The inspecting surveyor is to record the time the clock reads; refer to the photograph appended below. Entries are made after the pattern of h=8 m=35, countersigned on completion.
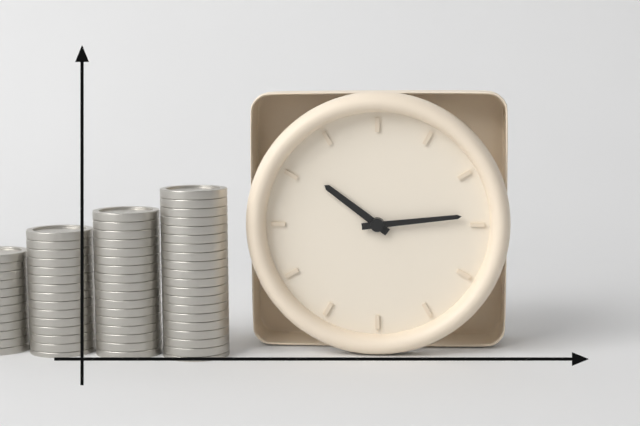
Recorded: h=10 m=14
